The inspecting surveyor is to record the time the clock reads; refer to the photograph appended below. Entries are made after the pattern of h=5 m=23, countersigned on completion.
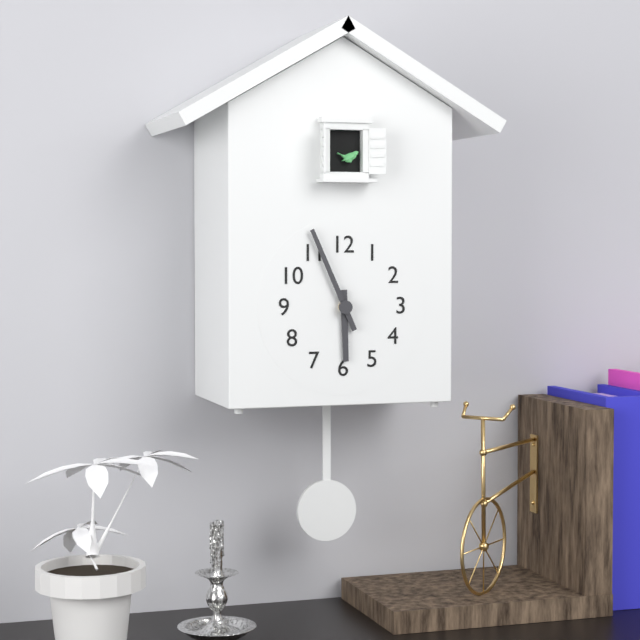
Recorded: h=5 m=56
